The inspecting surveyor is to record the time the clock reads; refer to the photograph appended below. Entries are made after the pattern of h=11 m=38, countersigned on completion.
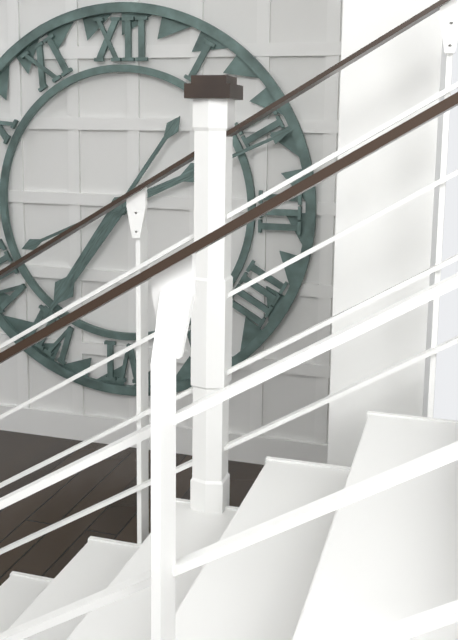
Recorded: h=7 m=11
